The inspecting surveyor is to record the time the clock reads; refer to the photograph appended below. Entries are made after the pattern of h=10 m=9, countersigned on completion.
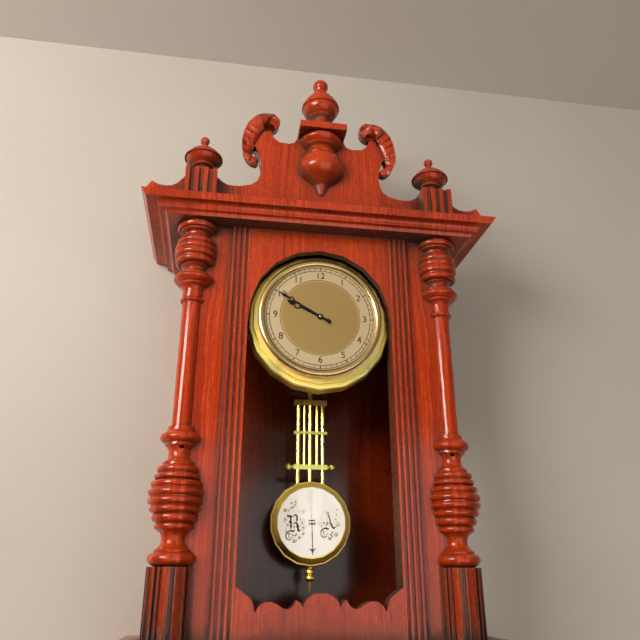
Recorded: h=9 m=50
